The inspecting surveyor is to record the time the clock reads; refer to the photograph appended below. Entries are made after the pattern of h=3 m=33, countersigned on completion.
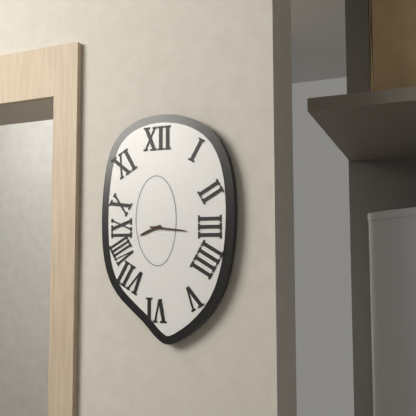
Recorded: h=8 m=16
